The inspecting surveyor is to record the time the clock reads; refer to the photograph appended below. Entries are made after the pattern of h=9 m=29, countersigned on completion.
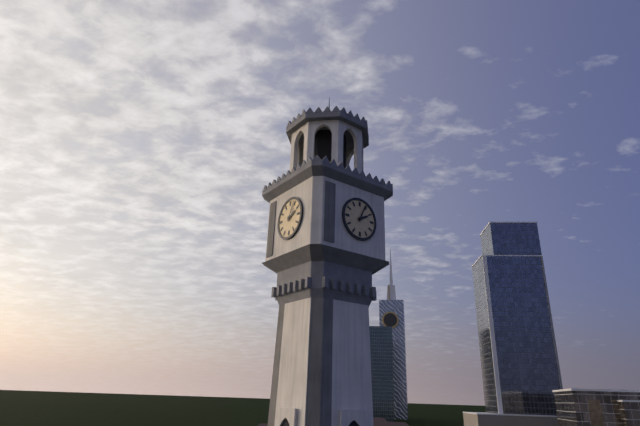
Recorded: h=2 m=4
